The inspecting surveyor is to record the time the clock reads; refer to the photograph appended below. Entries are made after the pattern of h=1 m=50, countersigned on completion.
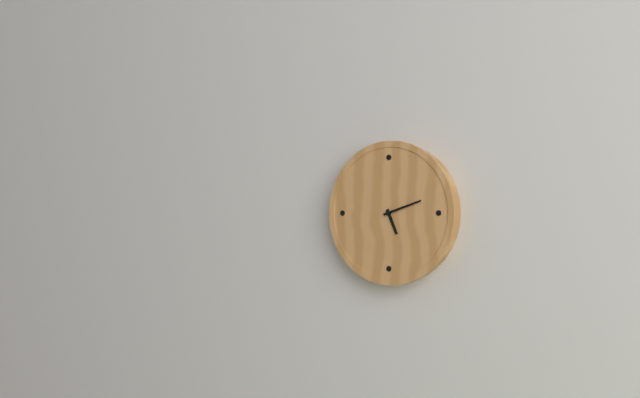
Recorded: h=5 m=12
